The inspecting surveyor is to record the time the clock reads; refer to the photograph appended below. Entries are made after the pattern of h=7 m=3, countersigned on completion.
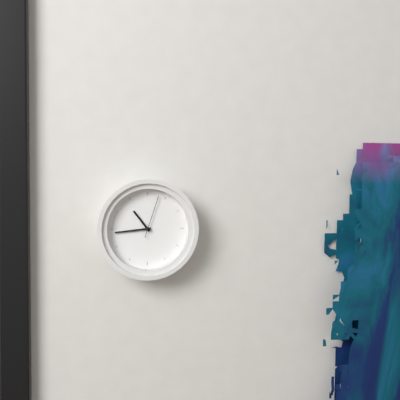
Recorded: h=10 m=44
